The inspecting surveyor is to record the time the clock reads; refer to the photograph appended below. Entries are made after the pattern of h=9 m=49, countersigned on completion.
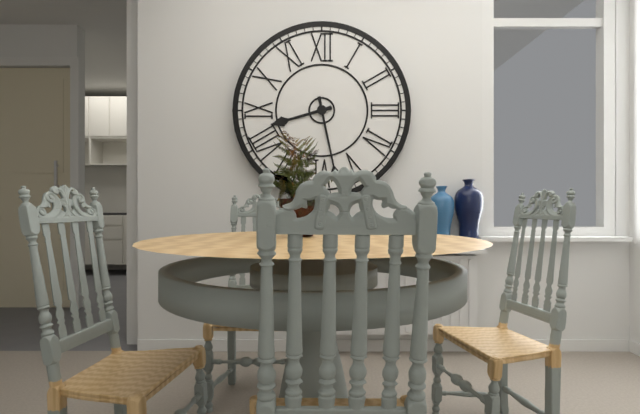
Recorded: h=8 m=28
